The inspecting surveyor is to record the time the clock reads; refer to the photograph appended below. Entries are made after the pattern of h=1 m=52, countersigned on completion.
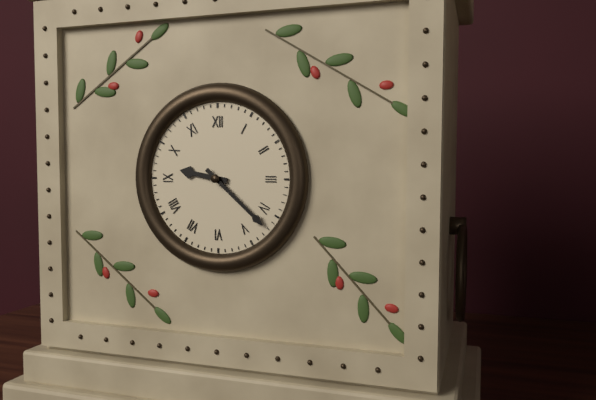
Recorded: h=9 m=22
